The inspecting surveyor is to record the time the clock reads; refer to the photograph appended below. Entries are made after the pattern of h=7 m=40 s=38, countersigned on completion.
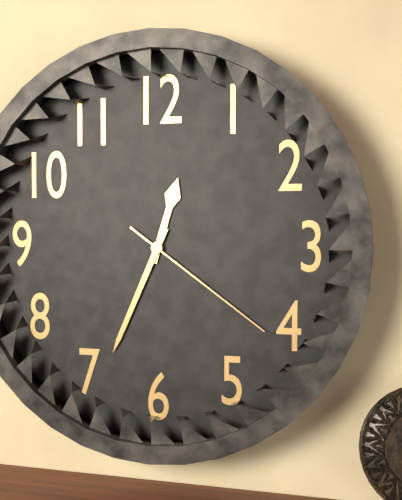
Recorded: h=12 m=34 s=21
